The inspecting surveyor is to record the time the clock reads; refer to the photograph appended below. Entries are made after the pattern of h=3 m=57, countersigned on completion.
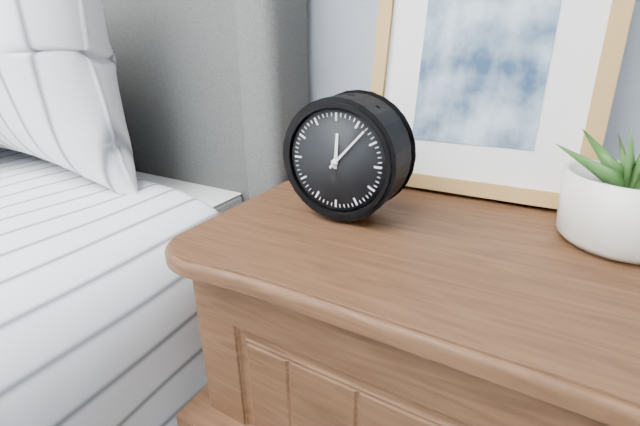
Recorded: h=12 m=7
